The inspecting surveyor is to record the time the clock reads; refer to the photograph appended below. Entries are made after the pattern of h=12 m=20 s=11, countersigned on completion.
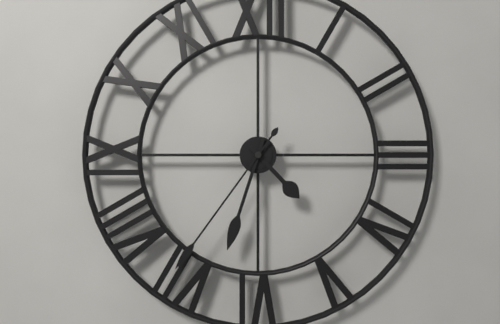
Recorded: h=4 m=33 s=36
